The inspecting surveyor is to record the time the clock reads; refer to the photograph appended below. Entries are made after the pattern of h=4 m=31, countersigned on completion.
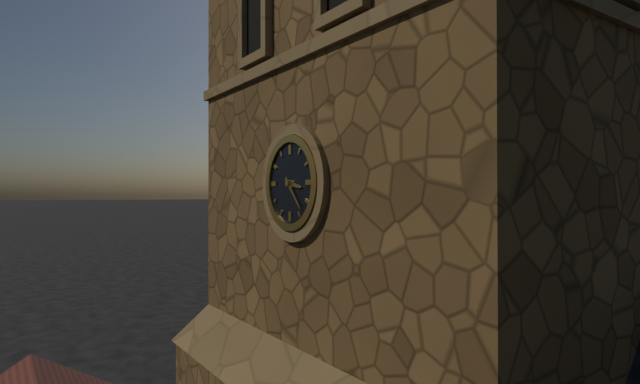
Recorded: h=3 m=23
